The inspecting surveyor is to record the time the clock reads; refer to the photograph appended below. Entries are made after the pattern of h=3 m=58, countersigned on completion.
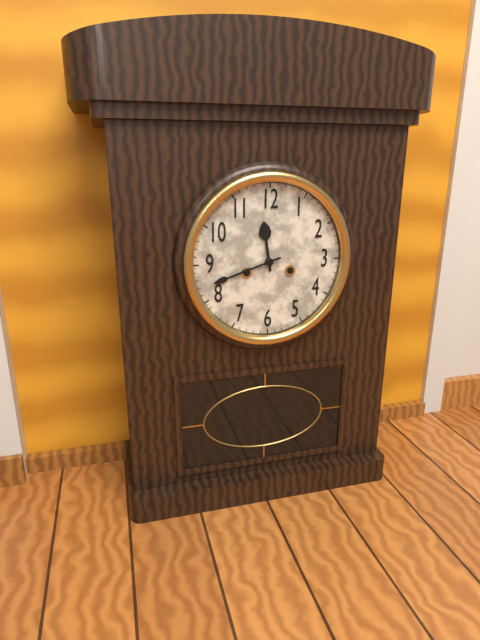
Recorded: h=11 m=42
